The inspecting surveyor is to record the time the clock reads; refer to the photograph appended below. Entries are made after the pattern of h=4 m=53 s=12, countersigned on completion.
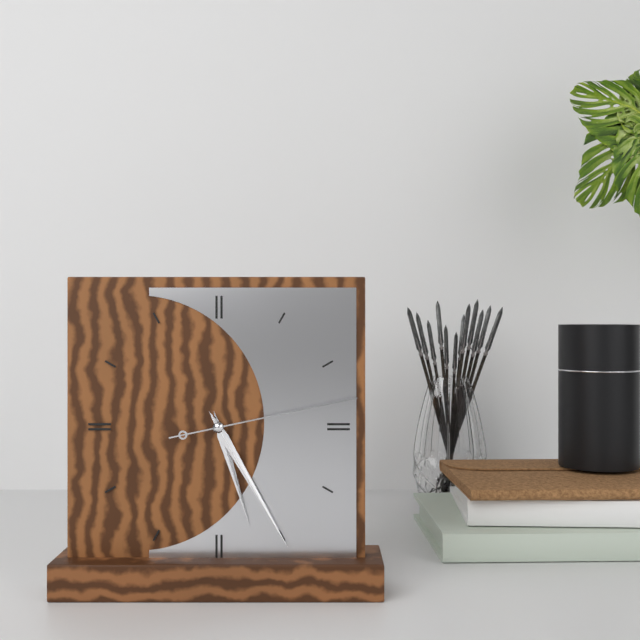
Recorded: h=5 m=25 s=13
